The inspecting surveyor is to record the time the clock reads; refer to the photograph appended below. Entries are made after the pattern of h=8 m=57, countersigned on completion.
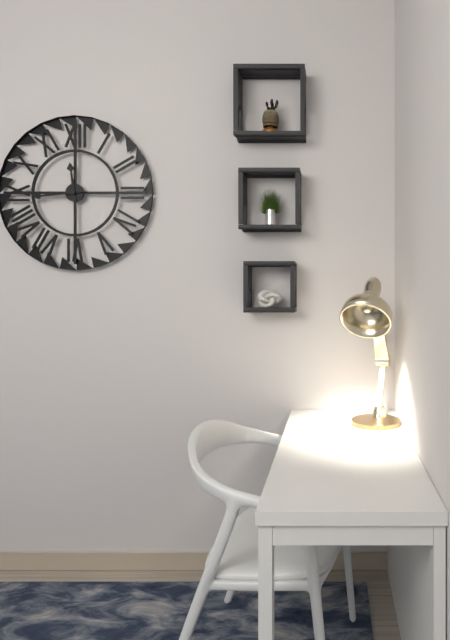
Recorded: h=11 m=44
